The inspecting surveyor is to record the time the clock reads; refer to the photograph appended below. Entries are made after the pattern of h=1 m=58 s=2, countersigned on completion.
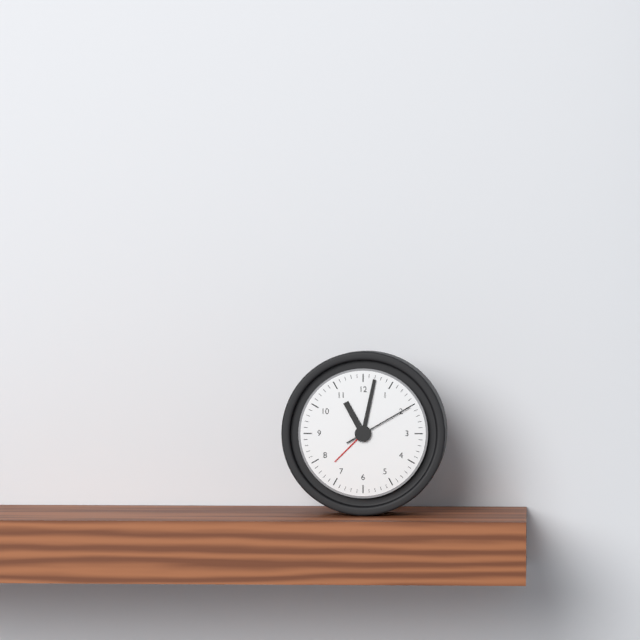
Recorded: h=11 m=2 s=10
